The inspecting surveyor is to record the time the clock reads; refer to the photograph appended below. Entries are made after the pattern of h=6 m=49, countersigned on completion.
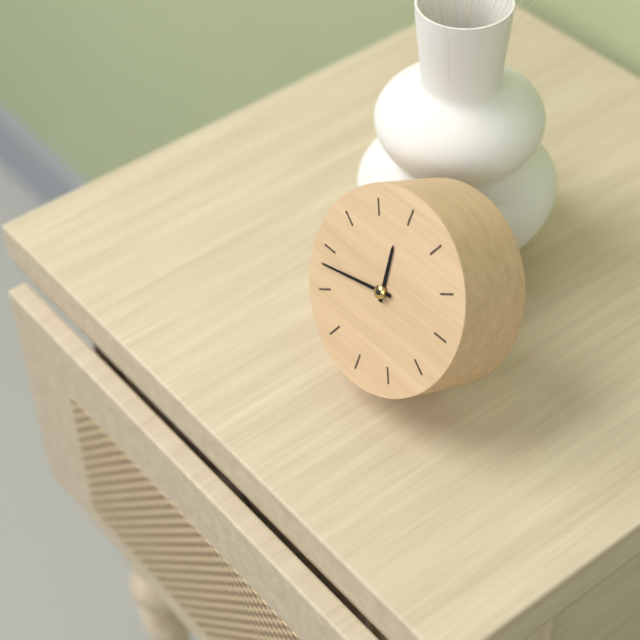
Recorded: h=11 m=43
